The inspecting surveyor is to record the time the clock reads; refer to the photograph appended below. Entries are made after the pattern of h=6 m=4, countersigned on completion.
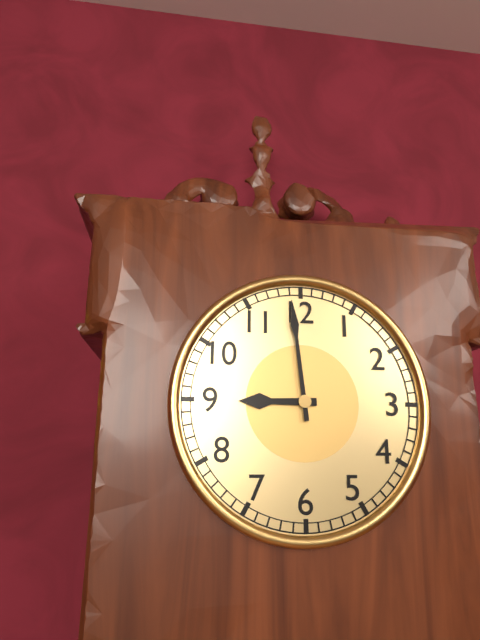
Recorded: h=8 m=59
